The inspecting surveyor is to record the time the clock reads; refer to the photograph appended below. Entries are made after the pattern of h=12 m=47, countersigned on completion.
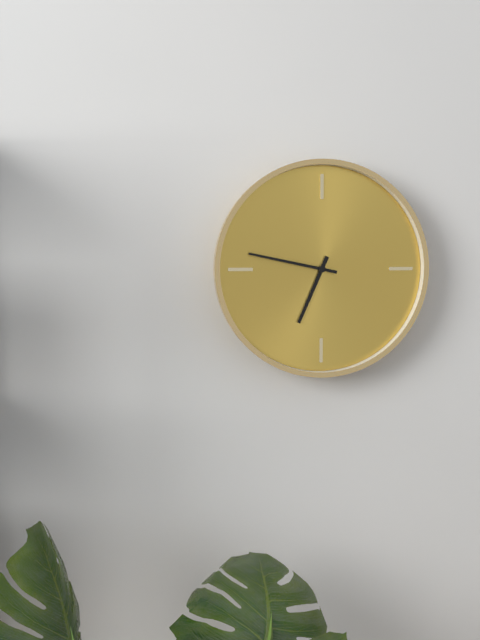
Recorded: h=6 m=47
